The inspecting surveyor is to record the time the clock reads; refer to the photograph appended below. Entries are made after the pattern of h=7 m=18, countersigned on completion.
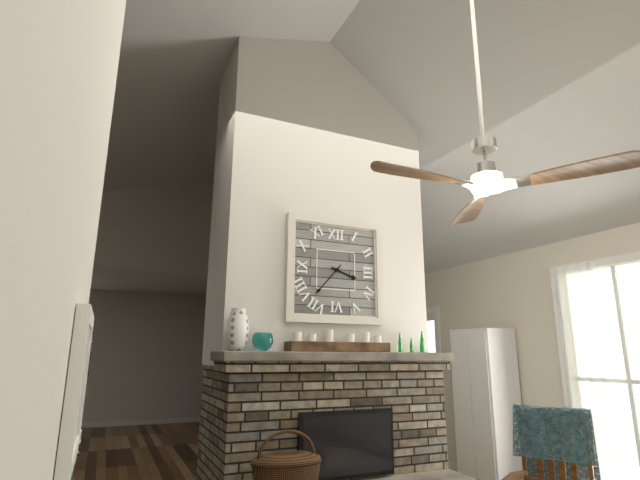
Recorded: h=3 m=37
